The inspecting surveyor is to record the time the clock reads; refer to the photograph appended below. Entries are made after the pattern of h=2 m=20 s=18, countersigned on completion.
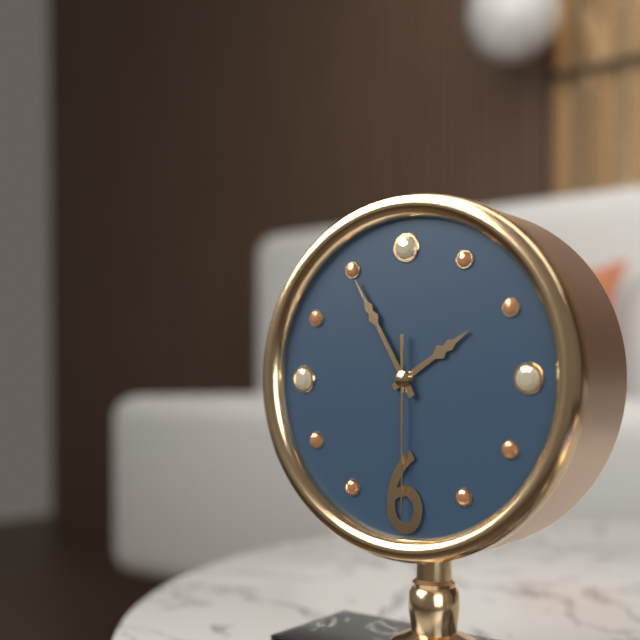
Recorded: h=1 m=55 s=30
